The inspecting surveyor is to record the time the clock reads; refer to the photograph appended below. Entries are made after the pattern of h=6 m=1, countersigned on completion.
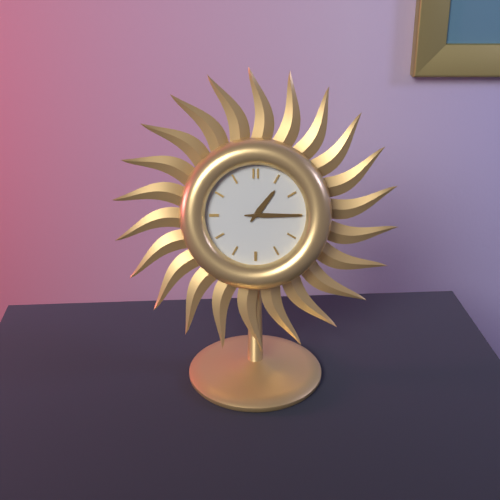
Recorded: h=1 m=15
